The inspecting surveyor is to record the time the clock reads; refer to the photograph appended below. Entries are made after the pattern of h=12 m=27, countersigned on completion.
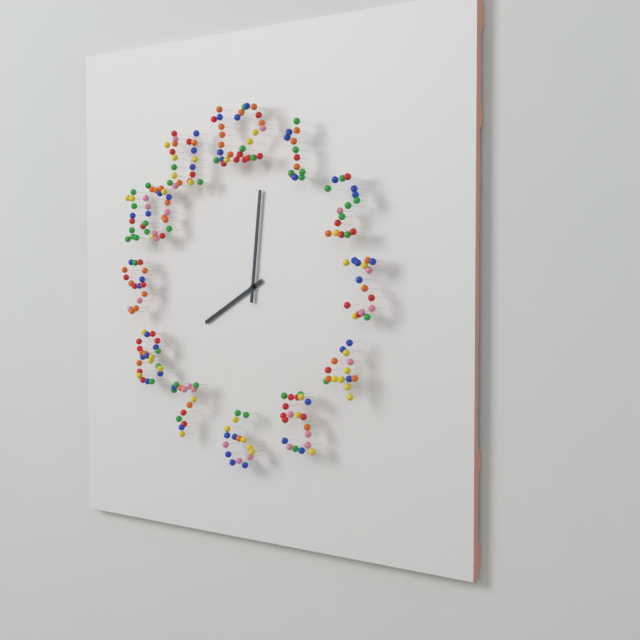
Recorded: h=8 m=1
